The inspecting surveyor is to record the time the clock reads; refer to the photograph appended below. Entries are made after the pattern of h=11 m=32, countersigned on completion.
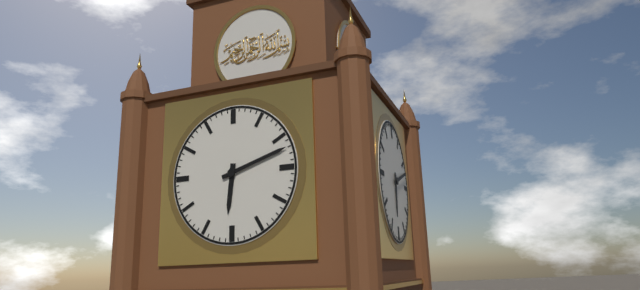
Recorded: h=6 m=12
